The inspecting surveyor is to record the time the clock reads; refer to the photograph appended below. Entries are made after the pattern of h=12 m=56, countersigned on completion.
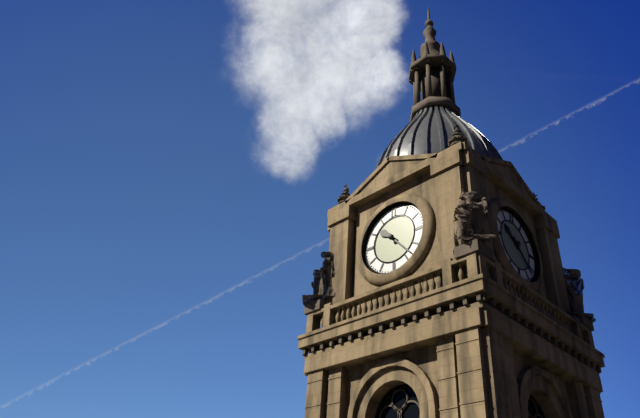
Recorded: h=10 m=23
